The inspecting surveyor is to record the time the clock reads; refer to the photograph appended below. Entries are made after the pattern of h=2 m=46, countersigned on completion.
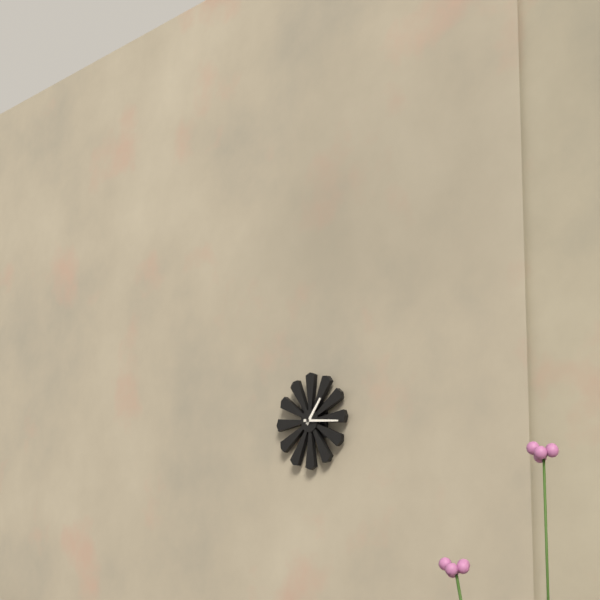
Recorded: h=1 m=16
